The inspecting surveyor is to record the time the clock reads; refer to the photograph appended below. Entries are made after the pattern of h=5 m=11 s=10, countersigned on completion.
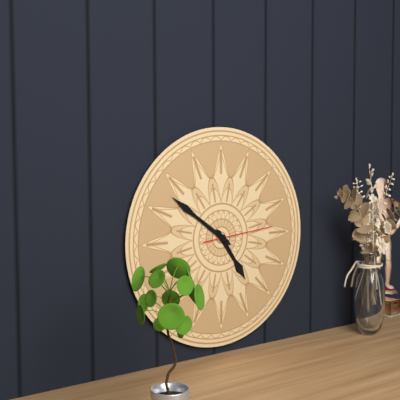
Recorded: h=4 m=51 s=14
